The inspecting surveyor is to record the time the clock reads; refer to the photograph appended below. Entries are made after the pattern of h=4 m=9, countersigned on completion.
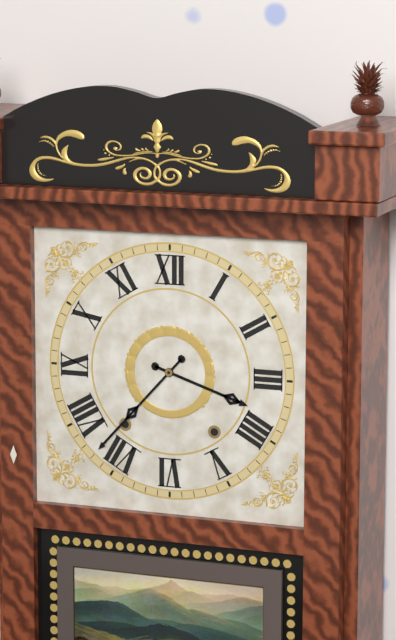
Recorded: h=3 m=37
